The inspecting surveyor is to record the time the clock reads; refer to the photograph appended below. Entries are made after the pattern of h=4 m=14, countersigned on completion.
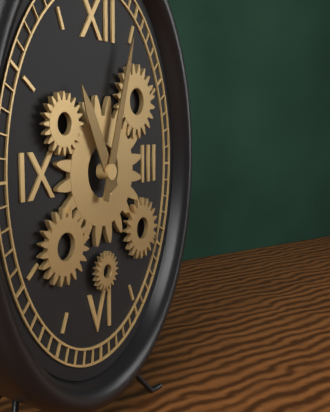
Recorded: h=11 m=3
